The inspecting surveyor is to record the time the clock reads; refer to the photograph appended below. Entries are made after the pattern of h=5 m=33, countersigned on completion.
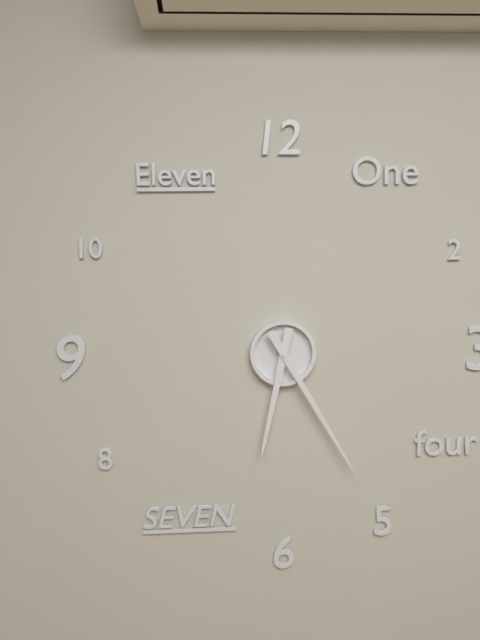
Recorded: h=6 m=25
